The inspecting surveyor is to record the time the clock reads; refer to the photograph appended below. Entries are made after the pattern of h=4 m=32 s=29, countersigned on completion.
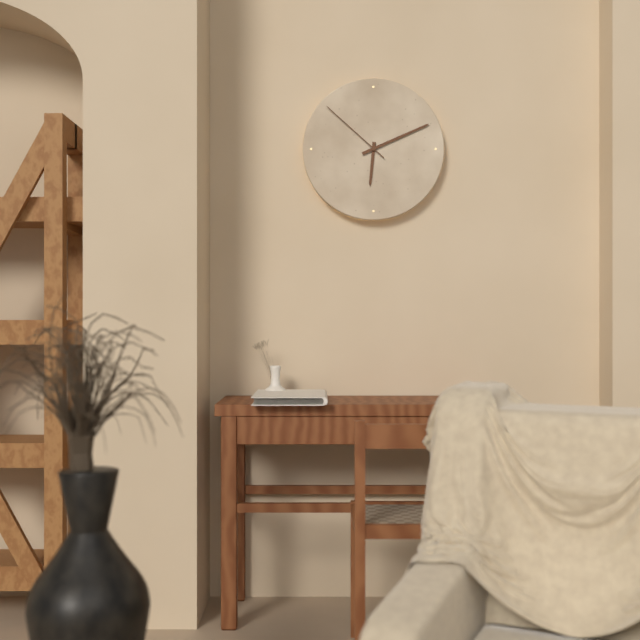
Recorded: h=6 m=11 s=52
